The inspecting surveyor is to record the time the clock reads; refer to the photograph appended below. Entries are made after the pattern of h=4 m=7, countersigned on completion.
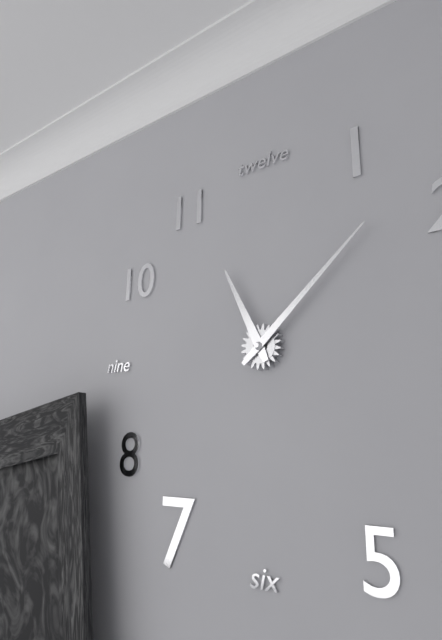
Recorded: h=11 m=8
